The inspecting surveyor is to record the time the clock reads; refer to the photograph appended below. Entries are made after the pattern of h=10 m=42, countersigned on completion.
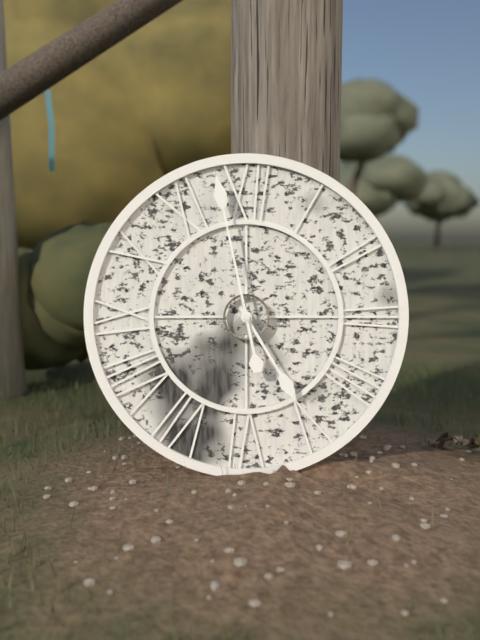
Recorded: h=4 m=58
